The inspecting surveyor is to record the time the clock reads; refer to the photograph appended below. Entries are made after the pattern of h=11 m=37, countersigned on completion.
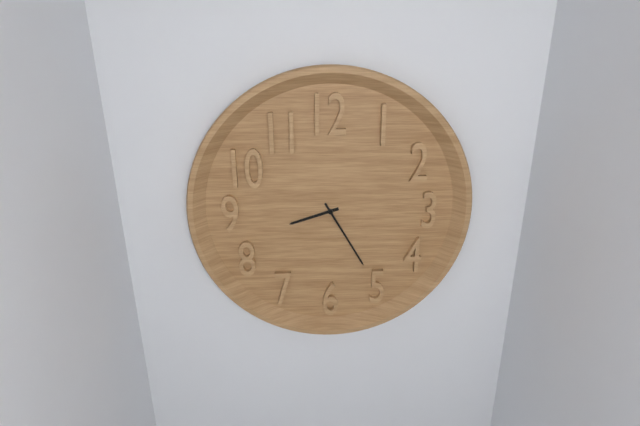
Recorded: h=8 m=25
